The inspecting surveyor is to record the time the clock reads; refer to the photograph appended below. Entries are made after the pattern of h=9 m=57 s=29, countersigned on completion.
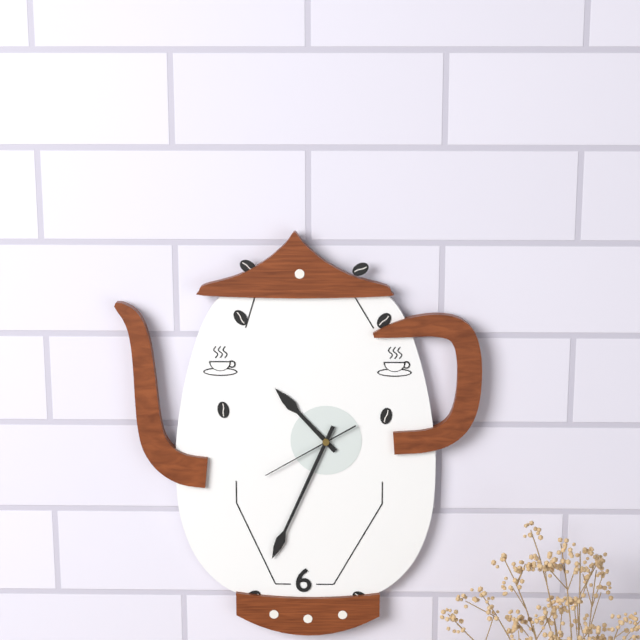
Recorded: h=10 m=34 s=40
